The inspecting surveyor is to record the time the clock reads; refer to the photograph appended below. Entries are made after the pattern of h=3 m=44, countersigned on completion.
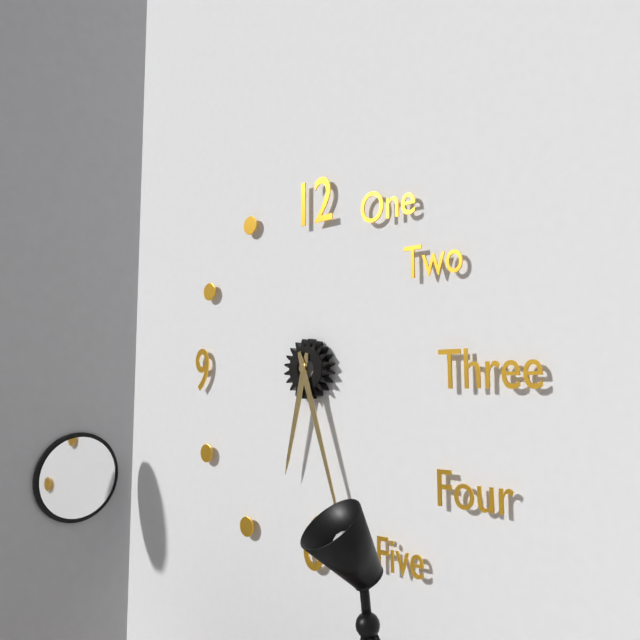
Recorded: h=6 m=27
